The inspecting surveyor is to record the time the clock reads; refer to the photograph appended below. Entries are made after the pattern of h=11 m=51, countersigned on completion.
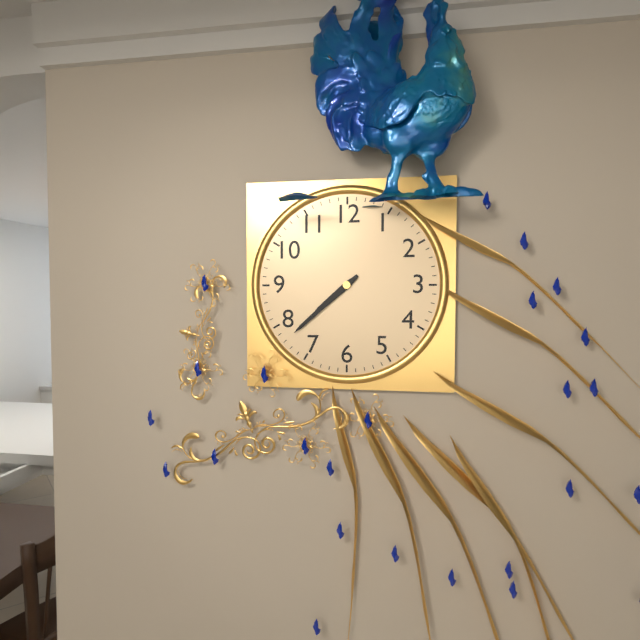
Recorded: h=7 m=38
